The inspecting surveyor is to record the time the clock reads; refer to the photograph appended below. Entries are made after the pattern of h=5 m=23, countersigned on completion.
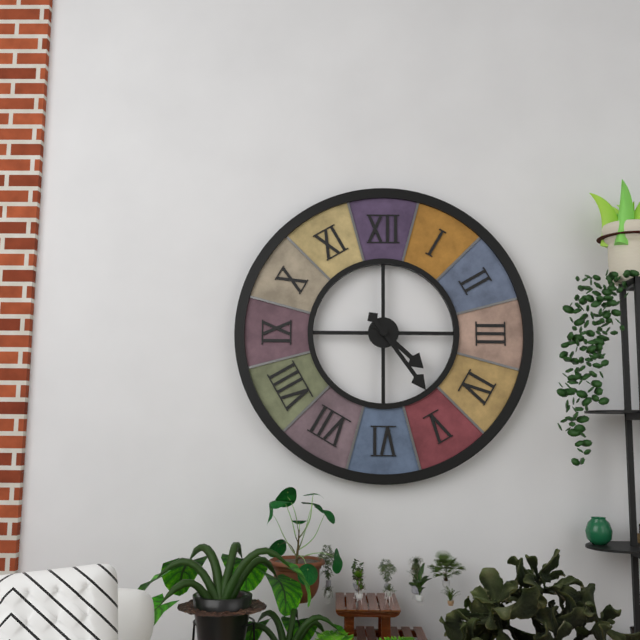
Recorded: h=4 m=24
